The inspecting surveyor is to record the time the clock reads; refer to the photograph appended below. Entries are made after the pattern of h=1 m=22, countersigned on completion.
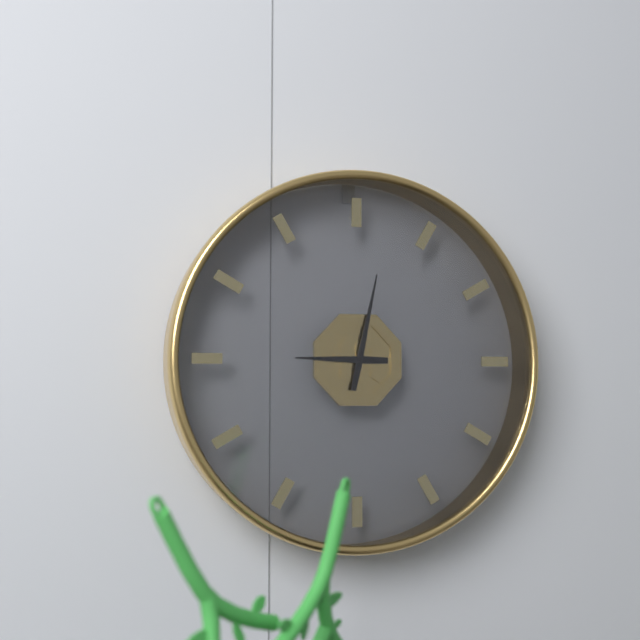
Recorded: h=9 m=2
